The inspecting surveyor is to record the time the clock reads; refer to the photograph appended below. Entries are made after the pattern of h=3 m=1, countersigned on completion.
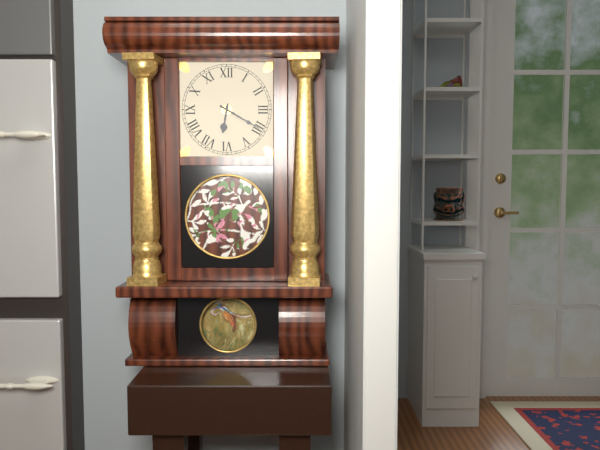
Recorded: h=6 m=20
